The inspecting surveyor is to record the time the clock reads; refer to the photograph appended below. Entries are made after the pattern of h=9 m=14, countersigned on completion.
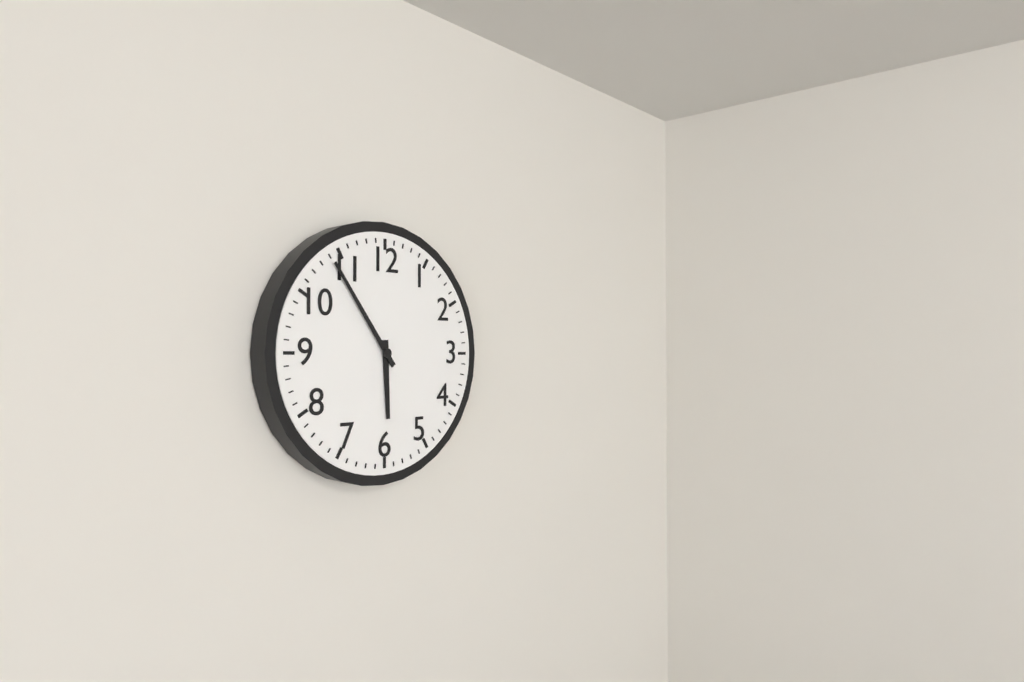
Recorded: h=5 m=54
